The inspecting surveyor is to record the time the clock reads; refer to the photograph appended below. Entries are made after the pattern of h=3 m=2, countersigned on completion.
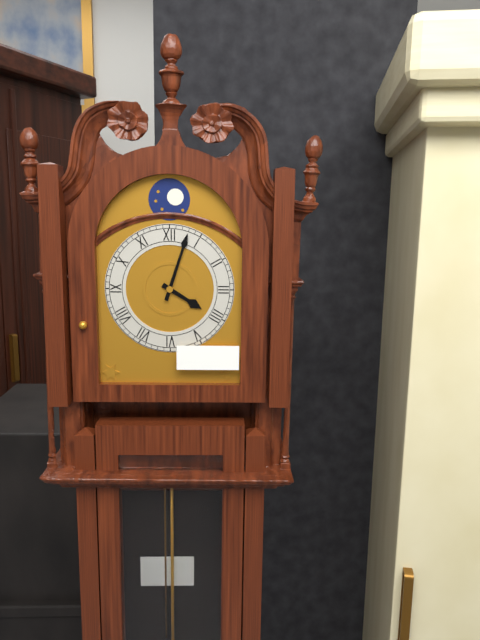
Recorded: h=4 m=3
